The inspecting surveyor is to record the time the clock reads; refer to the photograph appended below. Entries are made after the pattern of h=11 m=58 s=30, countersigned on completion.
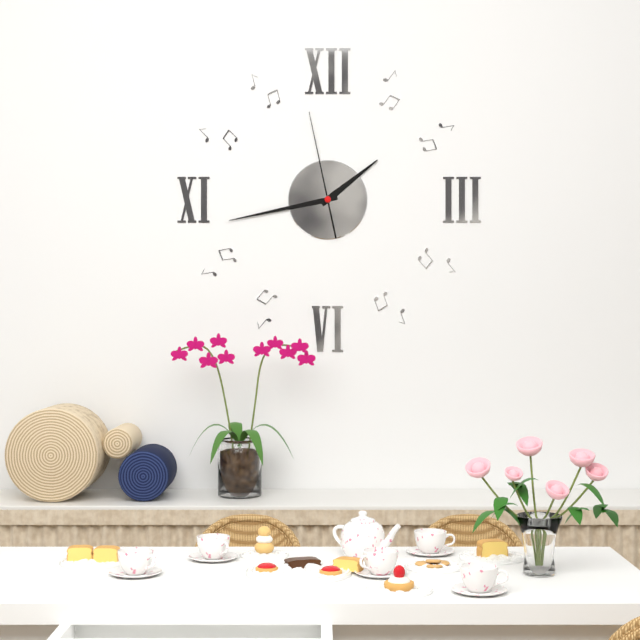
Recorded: h=1 m=43 s=58
